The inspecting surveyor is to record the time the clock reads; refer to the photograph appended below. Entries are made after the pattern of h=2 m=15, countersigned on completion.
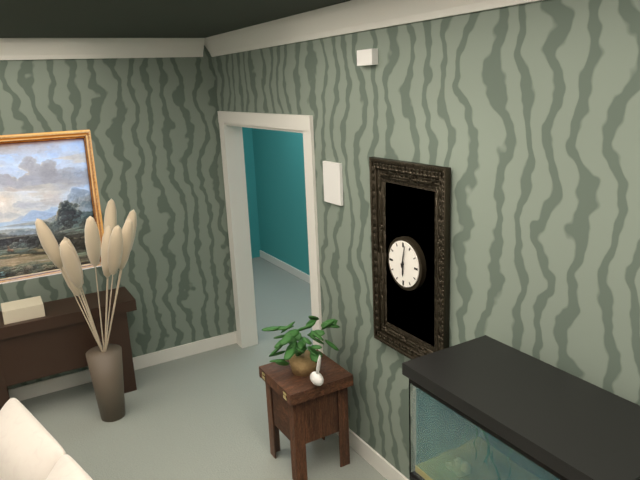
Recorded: h=6 m=2
